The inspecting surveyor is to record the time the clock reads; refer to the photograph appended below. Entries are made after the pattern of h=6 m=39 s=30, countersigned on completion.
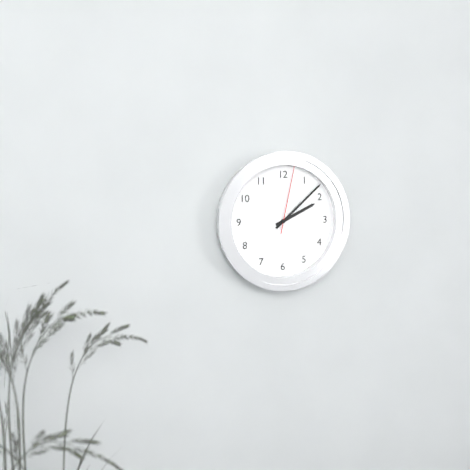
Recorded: h=2 m=8 s=2
